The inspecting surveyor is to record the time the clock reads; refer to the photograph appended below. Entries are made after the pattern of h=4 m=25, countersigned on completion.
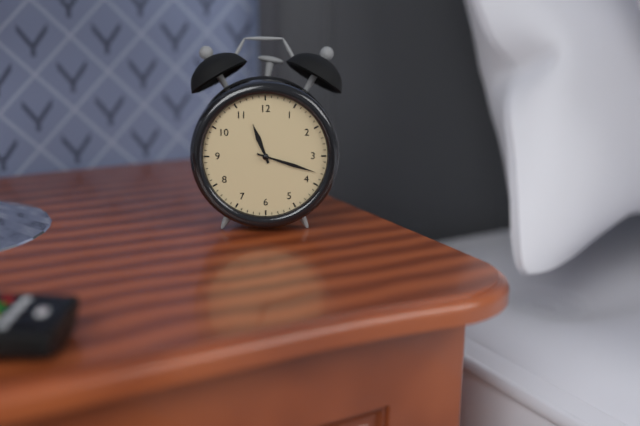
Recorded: h=11 m=18
